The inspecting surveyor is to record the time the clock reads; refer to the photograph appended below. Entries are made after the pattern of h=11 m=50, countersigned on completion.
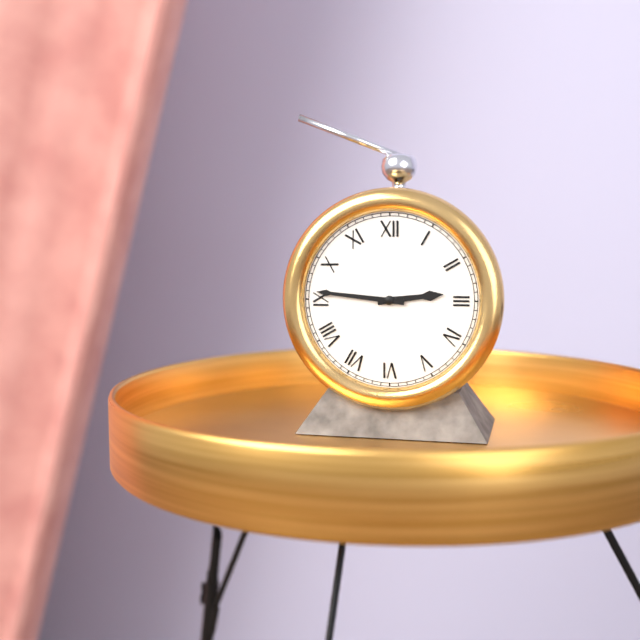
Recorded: h=2 m=46
